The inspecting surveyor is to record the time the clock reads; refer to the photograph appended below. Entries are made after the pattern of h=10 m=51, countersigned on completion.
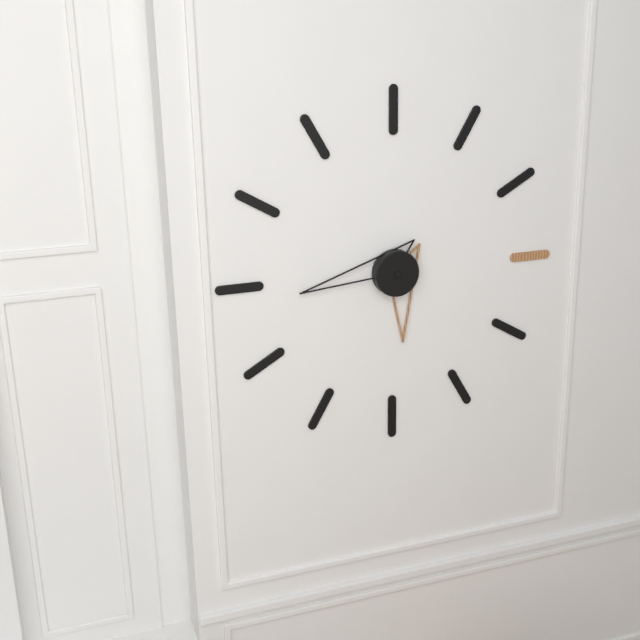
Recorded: h=5 m=44
